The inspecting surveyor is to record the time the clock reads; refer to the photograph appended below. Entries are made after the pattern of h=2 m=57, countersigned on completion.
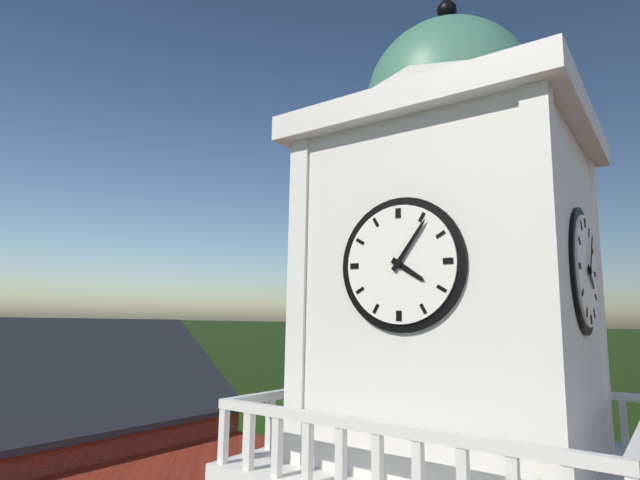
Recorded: h=4 m=6
